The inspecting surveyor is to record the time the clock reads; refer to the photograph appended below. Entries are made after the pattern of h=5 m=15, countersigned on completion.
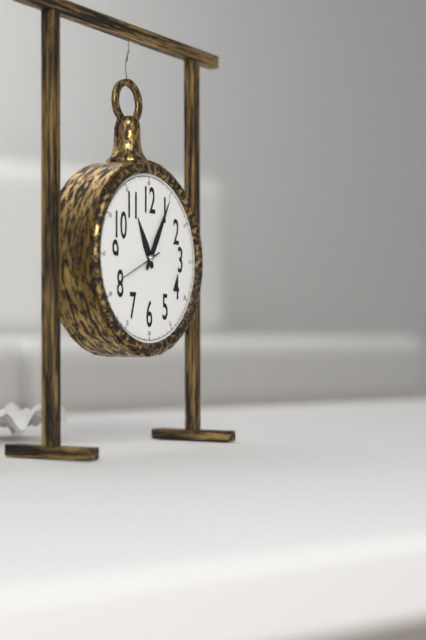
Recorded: h=11 m=5
